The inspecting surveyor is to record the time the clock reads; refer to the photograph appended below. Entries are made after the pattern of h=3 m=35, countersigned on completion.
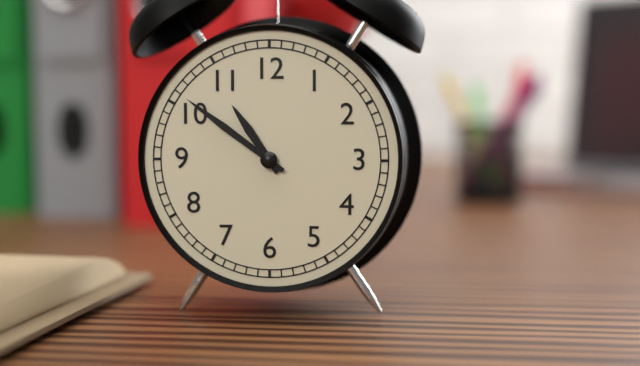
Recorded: h=10 m=51
